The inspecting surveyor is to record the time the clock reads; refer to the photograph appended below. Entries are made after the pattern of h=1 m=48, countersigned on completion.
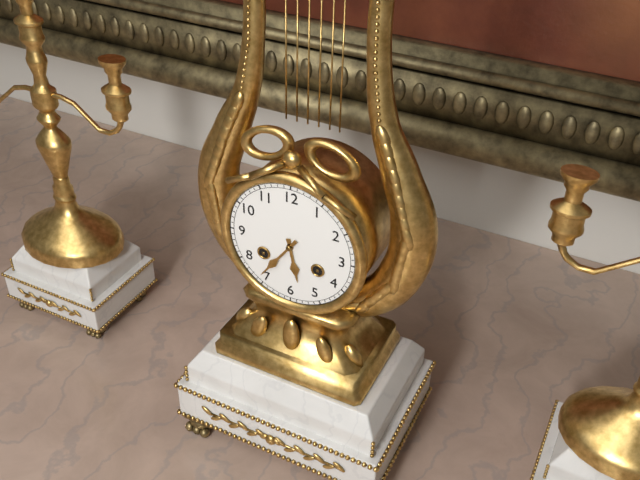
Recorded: h=5 m=36
